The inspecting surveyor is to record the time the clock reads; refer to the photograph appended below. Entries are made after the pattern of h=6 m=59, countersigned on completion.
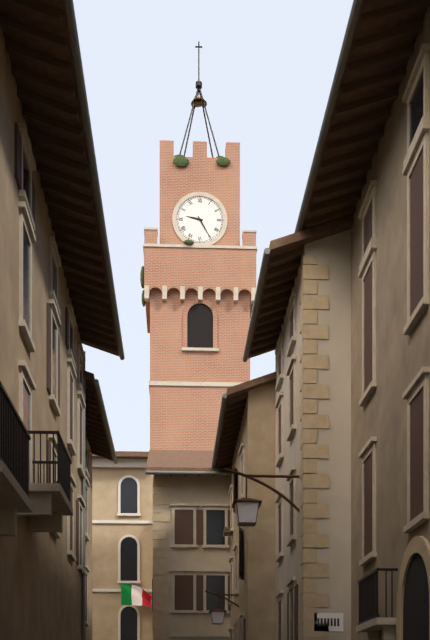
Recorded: h=9 m=25
